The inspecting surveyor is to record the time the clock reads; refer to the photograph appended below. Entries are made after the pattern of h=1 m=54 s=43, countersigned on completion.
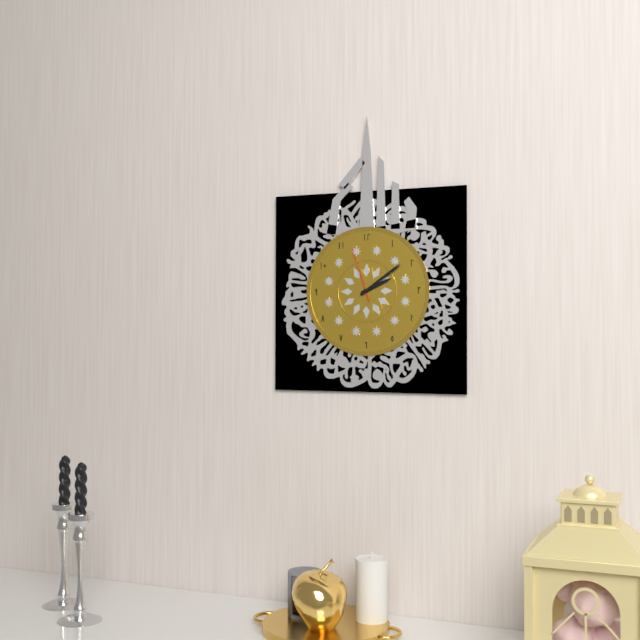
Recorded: h=2 m=9 s=57
